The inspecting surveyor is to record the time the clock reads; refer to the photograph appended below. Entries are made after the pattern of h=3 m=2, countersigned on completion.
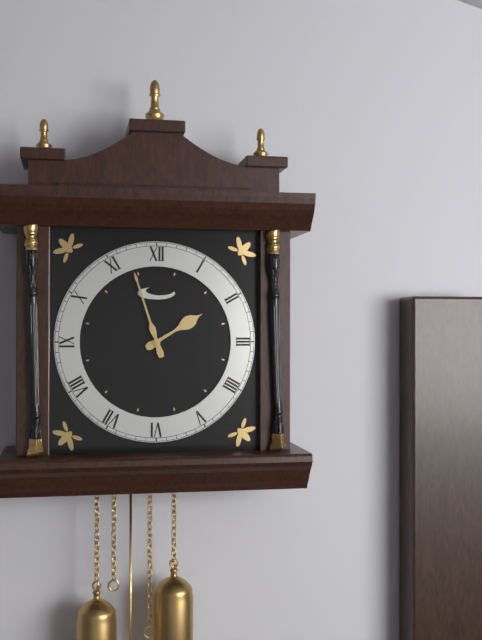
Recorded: h=1 m=57
